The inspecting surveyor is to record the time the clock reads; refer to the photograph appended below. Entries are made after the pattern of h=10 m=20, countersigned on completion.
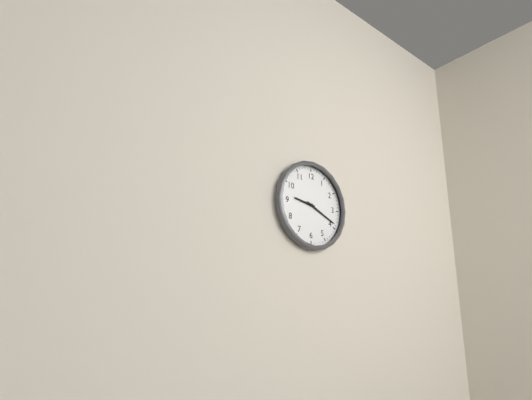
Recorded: h=9 m=19
